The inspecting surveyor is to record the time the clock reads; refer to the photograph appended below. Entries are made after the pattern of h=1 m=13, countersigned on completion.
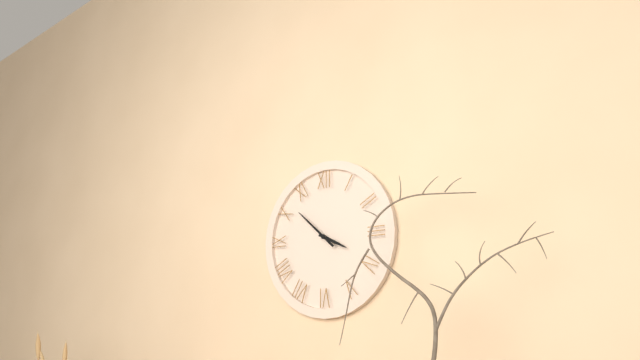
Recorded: h=3 m=52
